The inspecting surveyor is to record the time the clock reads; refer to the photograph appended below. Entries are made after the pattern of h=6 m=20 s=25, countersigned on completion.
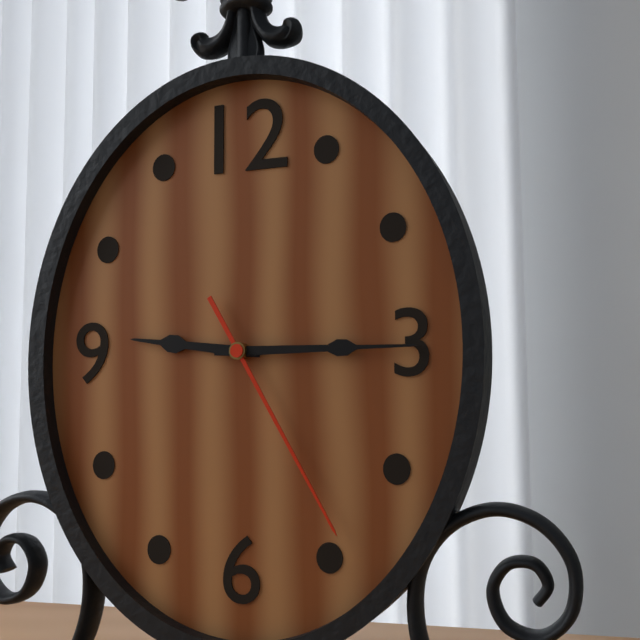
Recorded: h=9 m=15 s=25
